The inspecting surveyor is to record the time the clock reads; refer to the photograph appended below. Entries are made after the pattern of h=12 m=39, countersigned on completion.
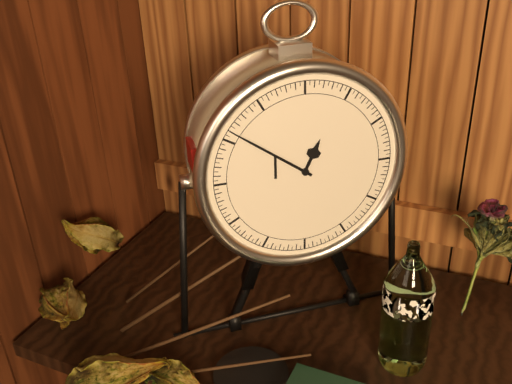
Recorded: h=12 m=51
